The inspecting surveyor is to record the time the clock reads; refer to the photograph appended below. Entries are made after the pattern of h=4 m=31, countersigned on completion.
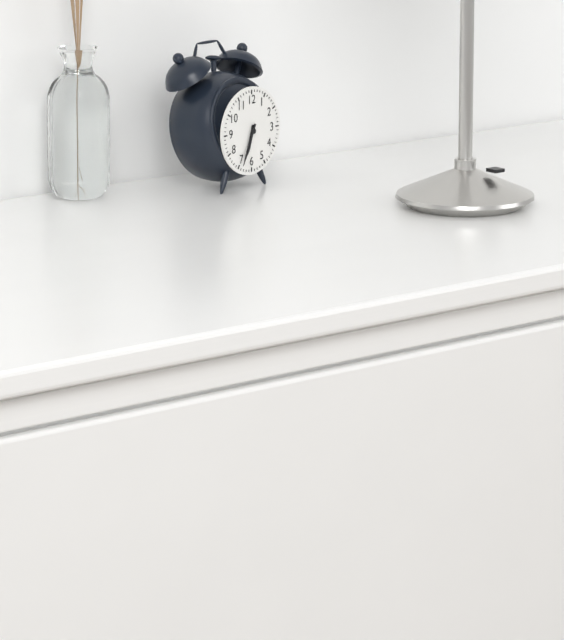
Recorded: h=6 m=34
